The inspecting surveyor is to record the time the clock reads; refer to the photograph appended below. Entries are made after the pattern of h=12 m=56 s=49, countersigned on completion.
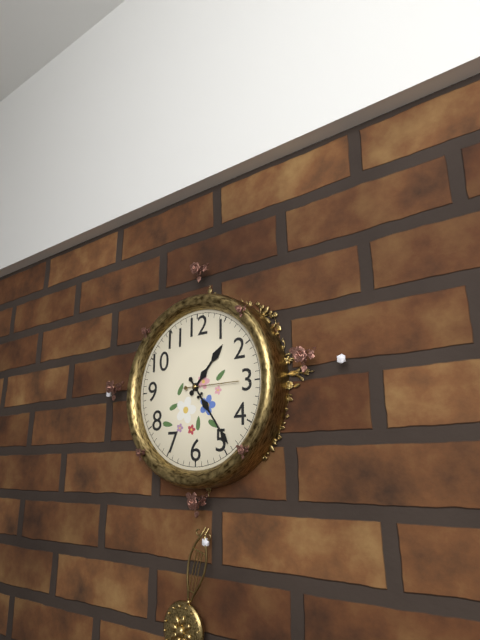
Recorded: h=1 m=24 s=15
